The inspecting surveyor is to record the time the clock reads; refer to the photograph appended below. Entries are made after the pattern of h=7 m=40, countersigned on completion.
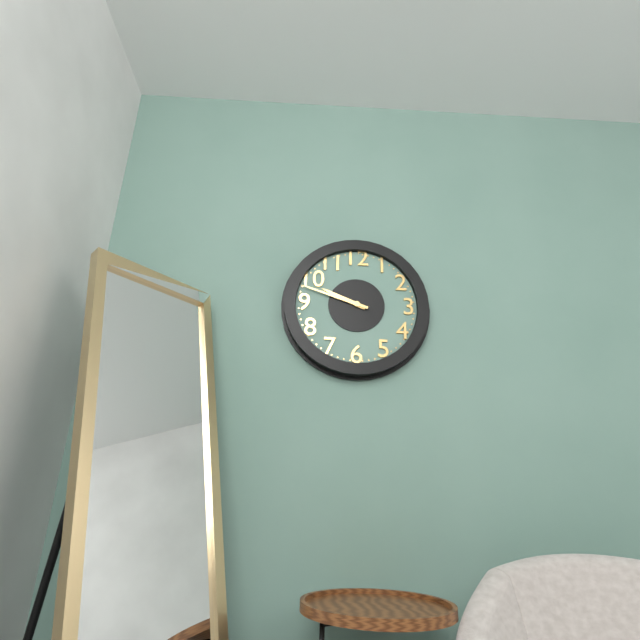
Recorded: h=9 m=48
